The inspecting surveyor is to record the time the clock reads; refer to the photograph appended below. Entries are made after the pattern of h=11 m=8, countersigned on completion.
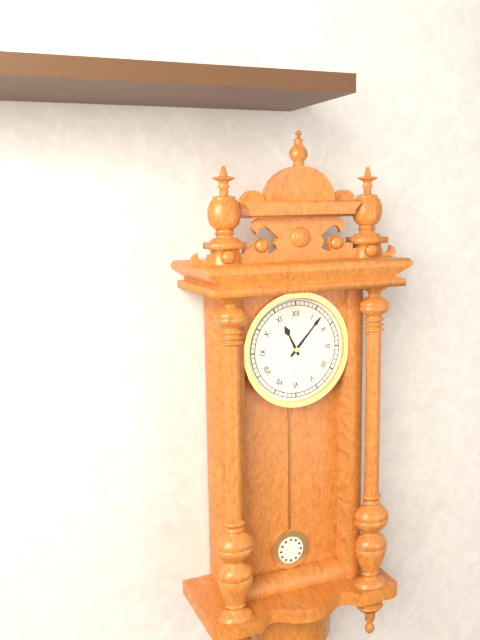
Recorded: h=11 m=7
